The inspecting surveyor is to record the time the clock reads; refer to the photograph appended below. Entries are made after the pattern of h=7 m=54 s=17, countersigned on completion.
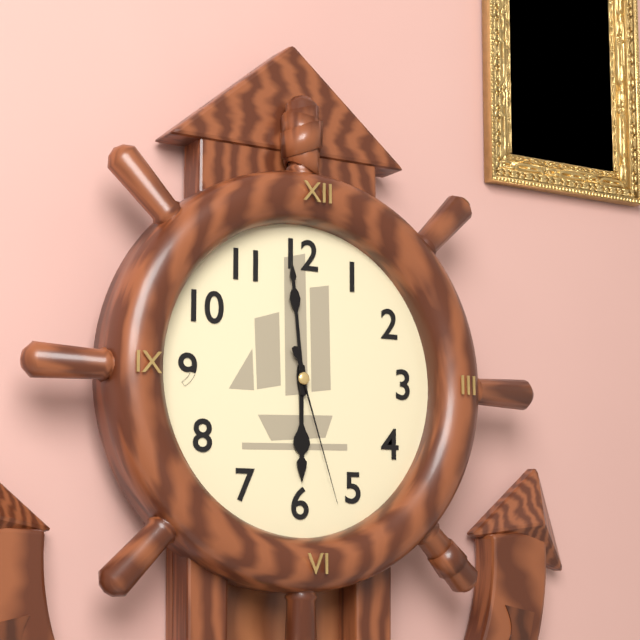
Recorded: h=5 m=59 s=27
